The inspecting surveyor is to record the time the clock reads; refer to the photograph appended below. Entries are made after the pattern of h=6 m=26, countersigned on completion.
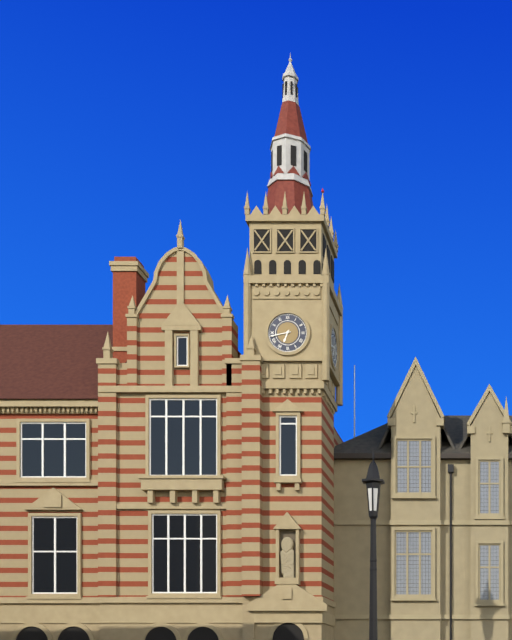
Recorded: h=6 m=43
